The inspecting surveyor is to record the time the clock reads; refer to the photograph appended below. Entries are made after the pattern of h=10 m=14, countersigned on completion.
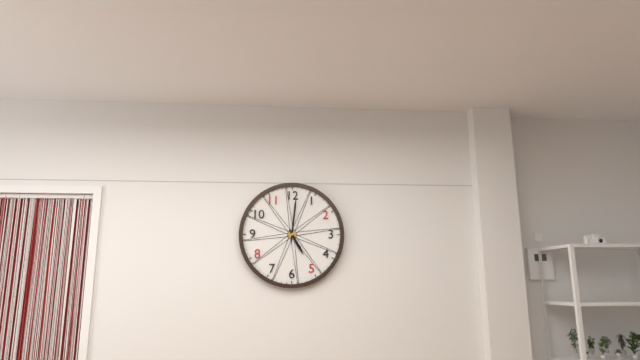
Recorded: h=5 m=1
